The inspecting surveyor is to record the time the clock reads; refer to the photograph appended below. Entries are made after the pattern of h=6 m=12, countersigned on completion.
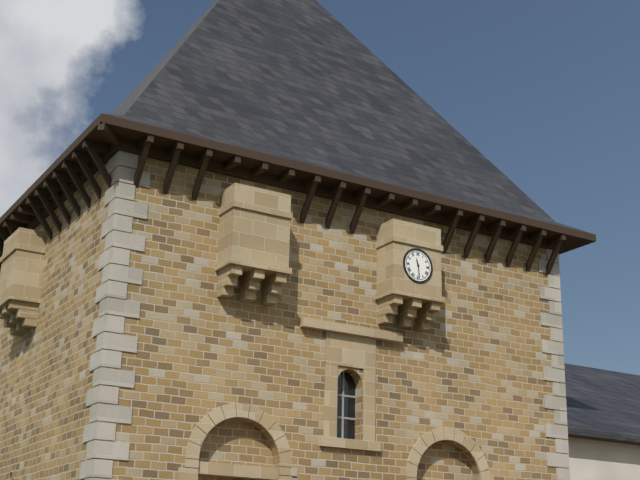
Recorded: h=11 m=29
